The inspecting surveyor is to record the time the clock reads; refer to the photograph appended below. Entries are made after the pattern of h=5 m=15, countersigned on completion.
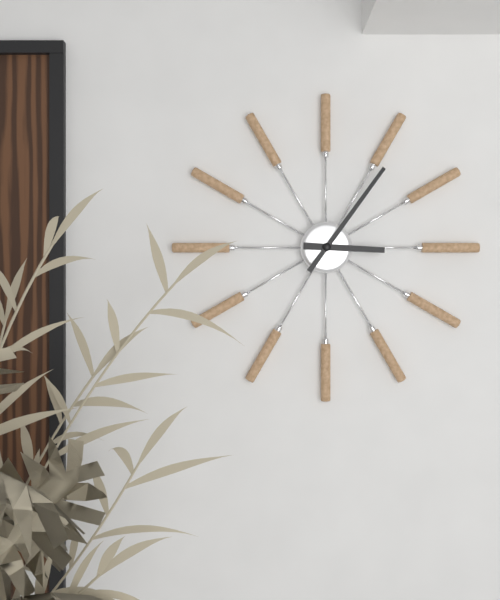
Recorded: h=3 m=6
